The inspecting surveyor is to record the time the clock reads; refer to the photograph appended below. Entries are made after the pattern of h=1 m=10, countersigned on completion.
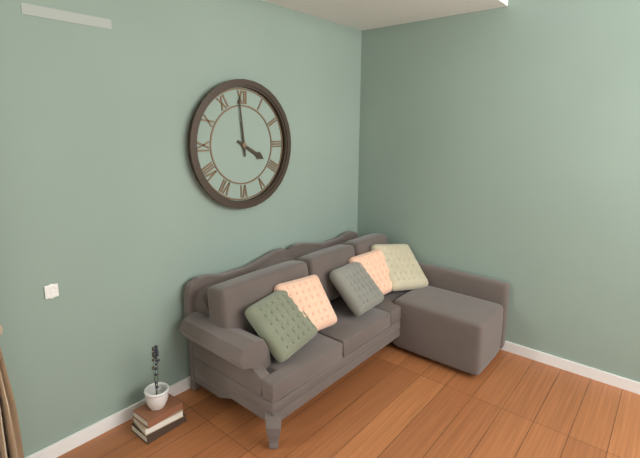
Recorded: h=3 m=59
